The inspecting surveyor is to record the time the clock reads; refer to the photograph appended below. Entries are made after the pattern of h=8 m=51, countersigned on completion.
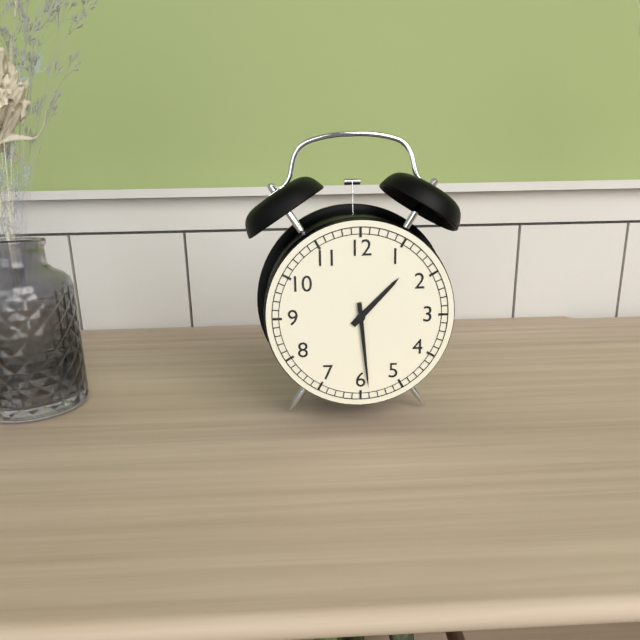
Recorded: h=1 m=29
